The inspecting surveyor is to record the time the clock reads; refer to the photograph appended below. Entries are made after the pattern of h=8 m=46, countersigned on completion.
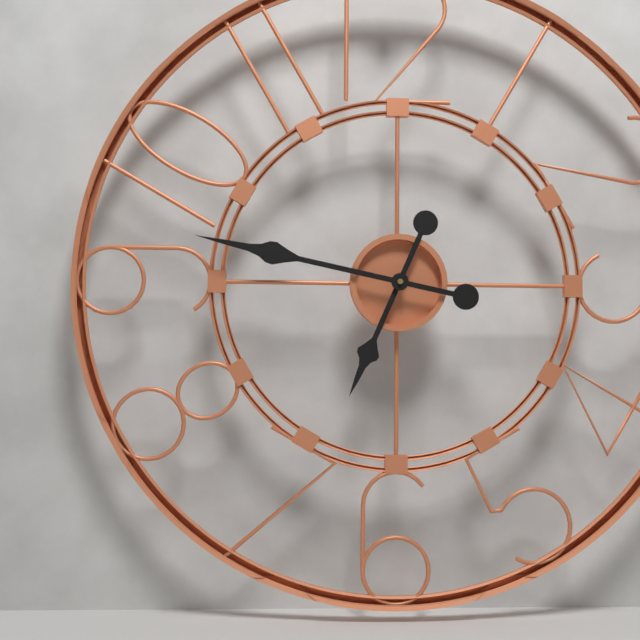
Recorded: h=6 m=47
